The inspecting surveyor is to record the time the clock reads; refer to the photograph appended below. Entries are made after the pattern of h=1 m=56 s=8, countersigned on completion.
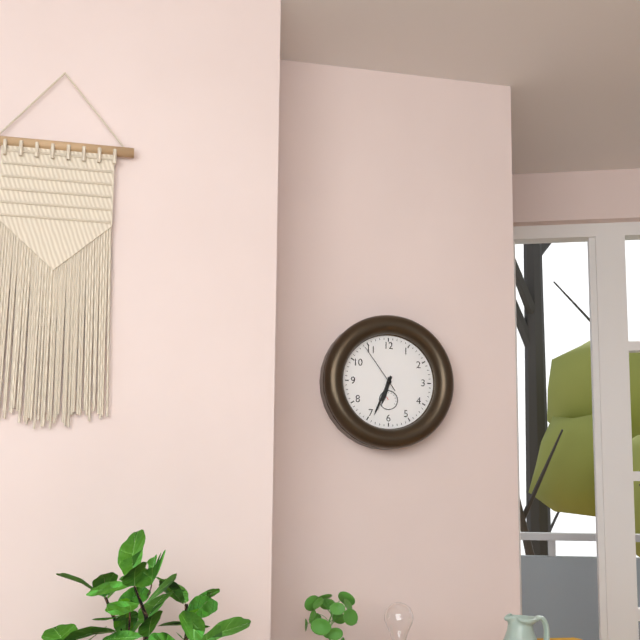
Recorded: h=6 m=34 s=54
